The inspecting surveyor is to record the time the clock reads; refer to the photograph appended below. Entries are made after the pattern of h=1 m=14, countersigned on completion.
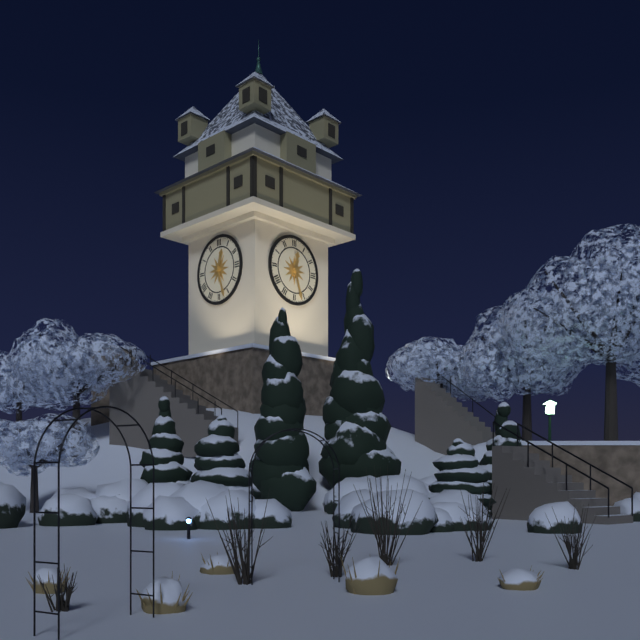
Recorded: h=12 m=27
